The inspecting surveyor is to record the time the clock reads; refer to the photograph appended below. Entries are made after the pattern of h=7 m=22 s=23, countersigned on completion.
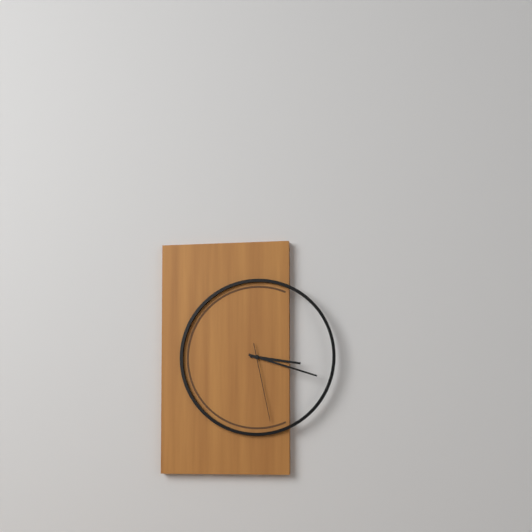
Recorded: h=3 m=18 s=28
